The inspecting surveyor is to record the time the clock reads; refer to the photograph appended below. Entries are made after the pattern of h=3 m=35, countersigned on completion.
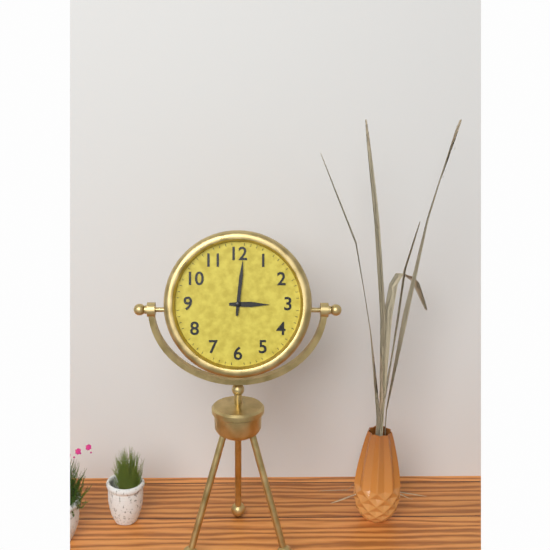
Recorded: h=3 m=1
